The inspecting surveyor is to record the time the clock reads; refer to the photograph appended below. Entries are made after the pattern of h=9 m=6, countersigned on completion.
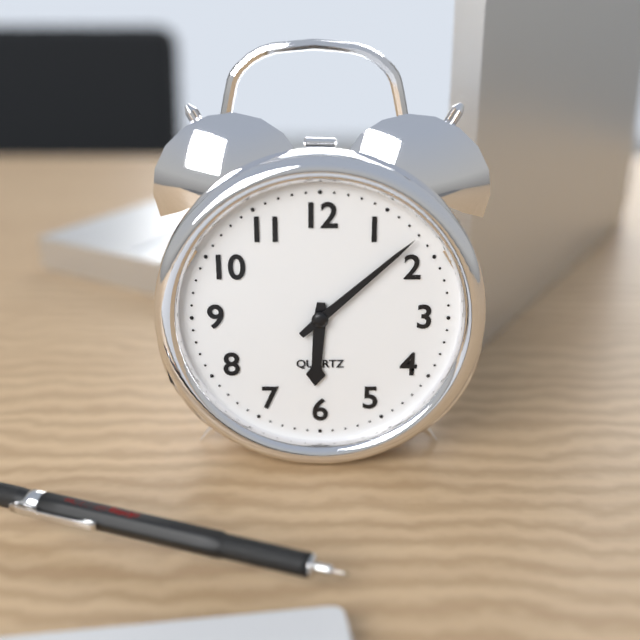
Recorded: h=6 m=8
